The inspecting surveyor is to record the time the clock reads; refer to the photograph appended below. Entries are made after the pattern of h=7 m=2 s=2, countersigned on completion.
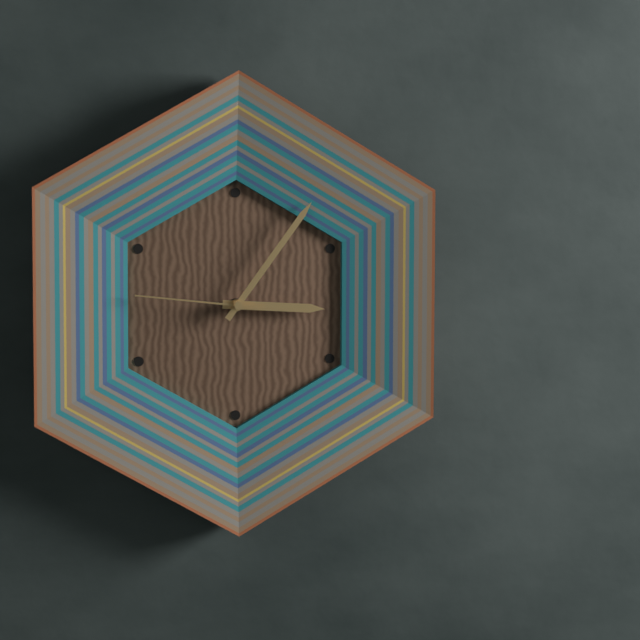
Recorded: h=3 m=6 s=46
